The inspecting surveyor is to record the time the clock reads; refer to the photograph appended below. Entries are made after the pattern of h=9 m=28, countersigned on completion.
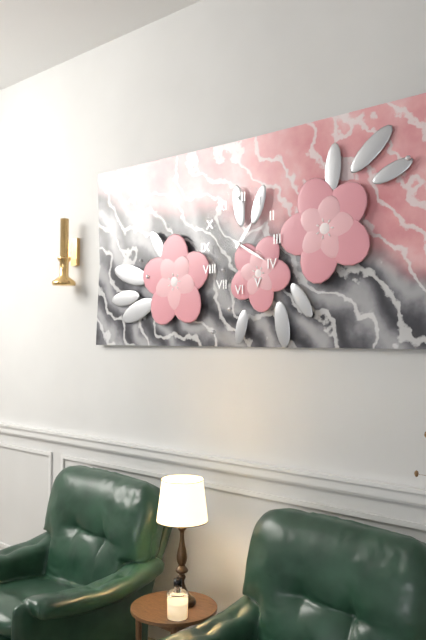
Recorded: h=1 m=20
